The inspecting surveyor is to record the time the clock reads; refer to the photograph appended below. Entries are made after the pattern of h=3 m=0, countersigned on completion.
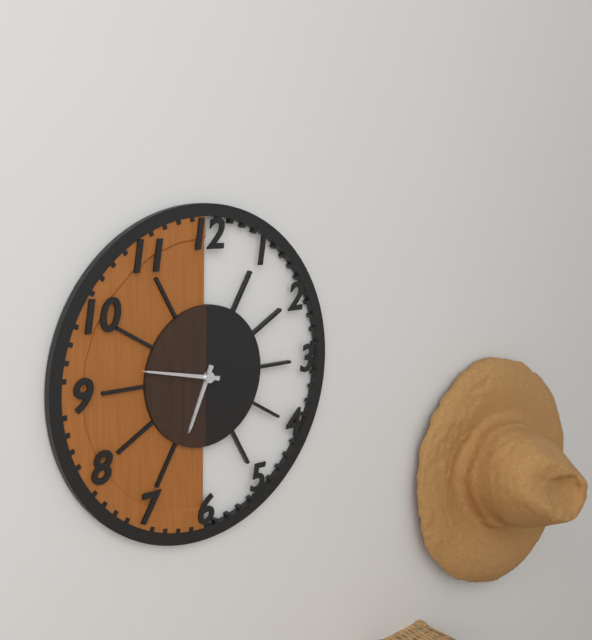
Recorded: h=6 m=47
